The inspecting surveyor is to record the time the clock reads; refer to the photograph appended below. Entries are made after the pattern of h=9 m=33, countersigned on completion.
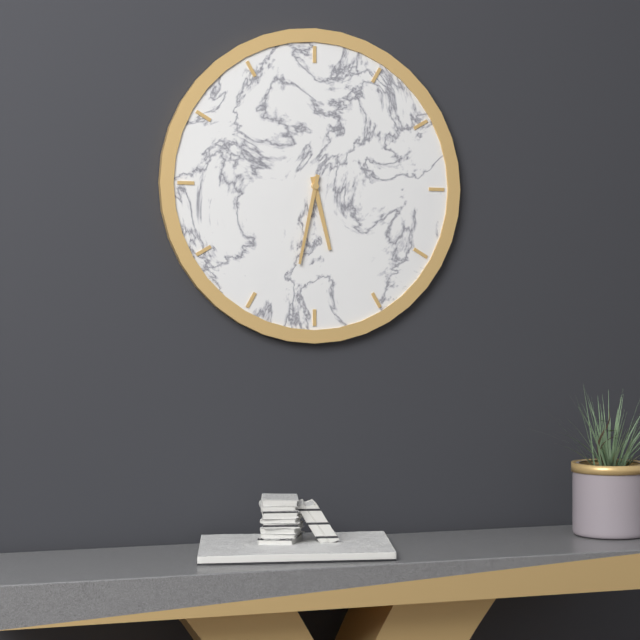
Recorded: h=5 m=32
